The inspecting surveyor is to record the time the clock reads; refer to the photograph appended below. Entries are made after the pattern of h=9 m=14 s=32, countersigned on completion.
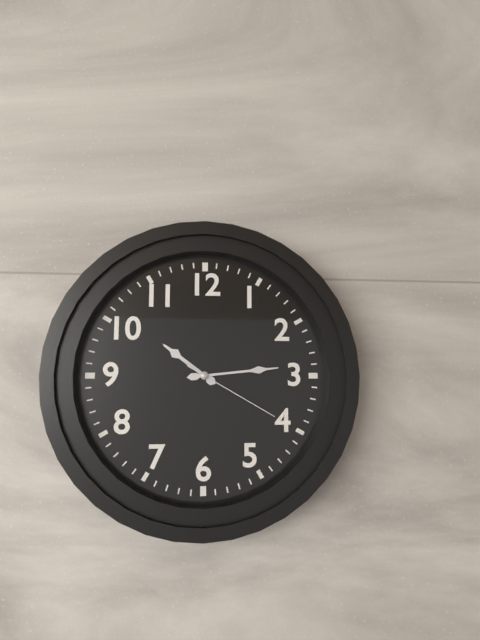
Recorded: h=10 m=14 s=20
